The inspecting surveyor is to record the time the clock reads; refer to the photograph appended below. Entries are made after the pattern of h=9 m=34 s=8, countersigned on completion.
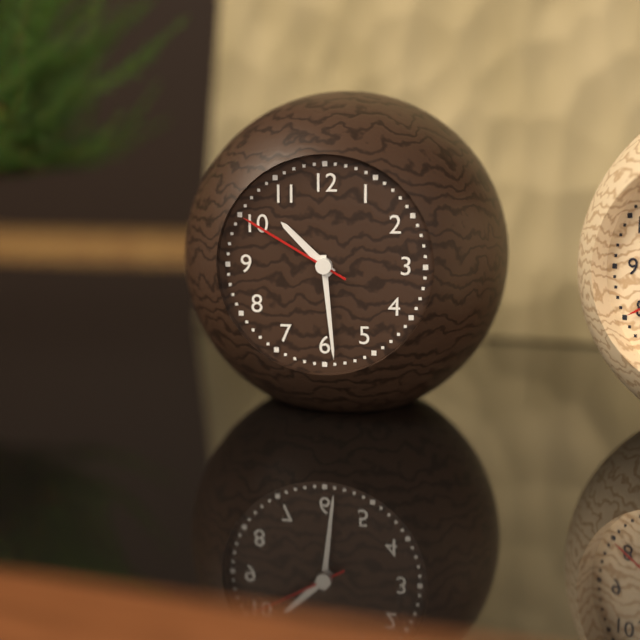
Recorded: h=10 m=29 s=50
